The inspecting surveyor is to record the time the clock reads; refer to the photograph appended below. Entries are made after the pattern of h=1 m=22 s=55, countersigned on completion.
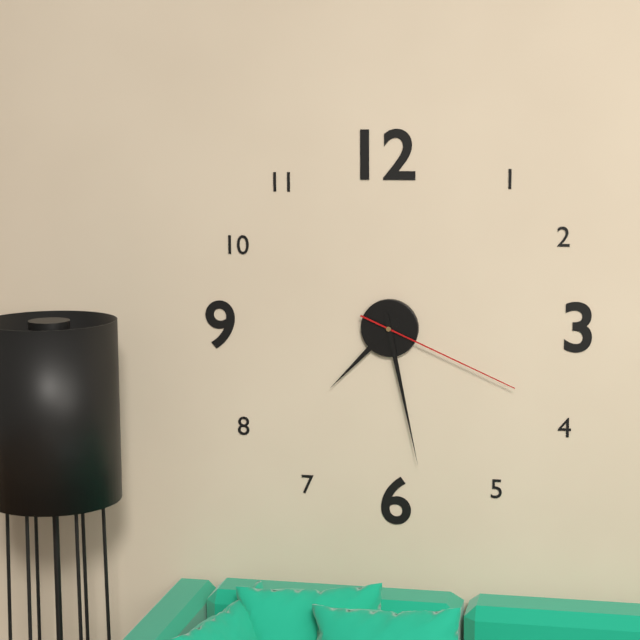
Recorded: h=7 m=28 s=19
